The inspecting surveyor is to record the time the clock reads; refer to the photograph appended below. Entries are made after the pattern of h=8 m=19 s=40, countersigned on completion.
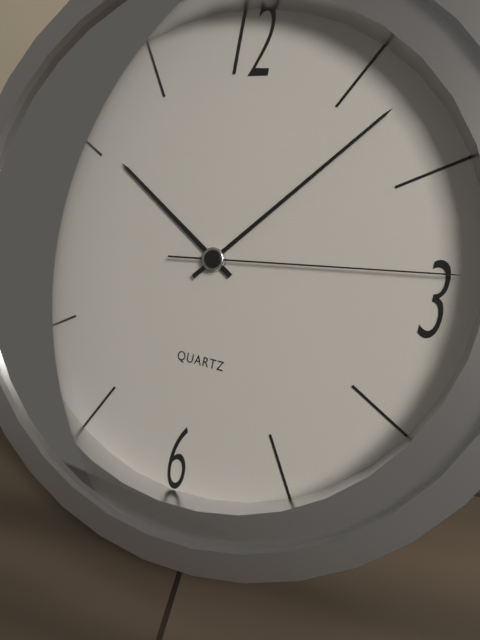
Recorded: h=10 m=7 s=14
